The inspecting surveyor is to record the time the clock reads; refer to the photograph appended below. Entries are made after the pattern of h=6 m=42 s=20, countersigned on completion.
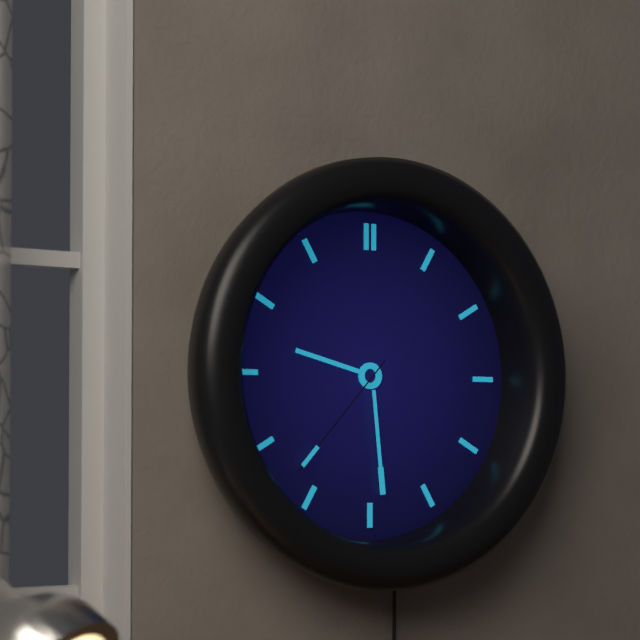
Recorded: h=9 m=29 s=37
